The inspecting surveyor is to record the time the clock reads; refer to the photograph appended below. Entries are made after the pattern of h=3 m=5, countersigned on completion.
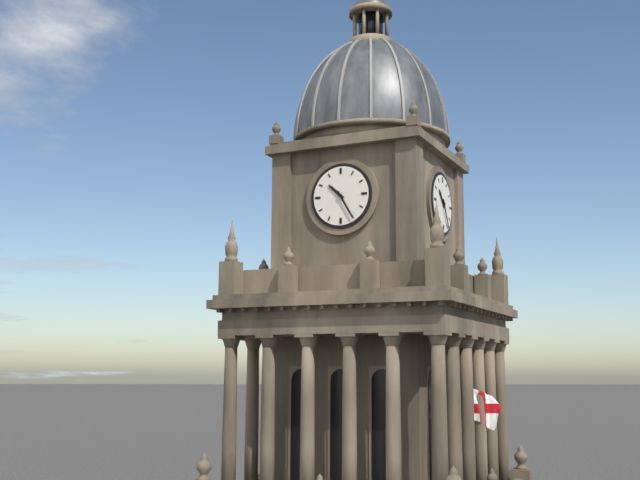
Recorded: h=10 m=25
